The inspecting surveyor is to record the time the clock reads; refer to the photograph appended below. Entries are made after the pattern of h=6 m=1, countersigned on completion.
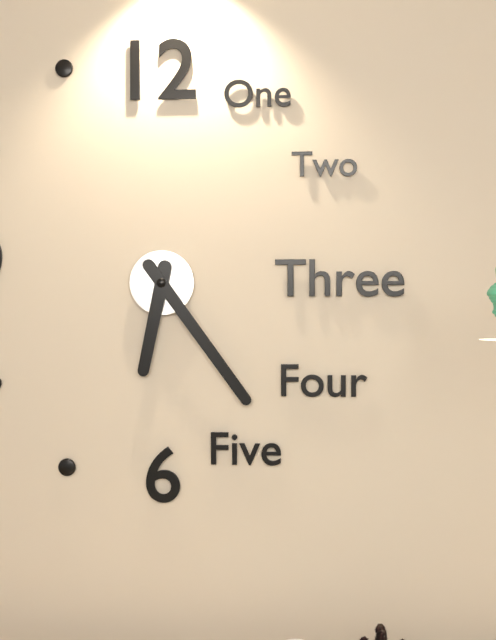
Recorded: h=6 m=24
